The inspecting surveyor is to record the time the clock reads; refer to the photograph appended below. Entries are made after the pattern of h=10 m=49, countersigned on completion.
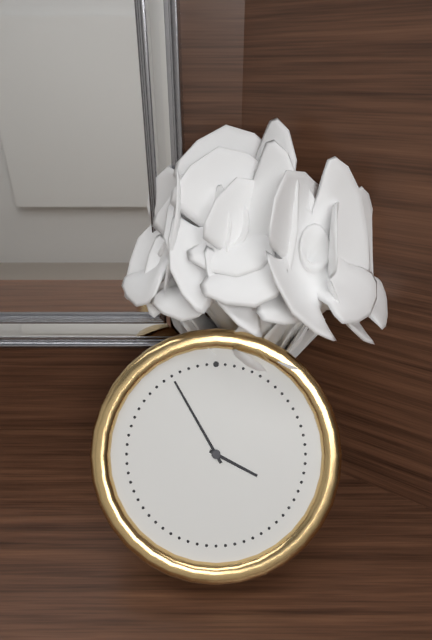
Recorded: h=3 m=55
